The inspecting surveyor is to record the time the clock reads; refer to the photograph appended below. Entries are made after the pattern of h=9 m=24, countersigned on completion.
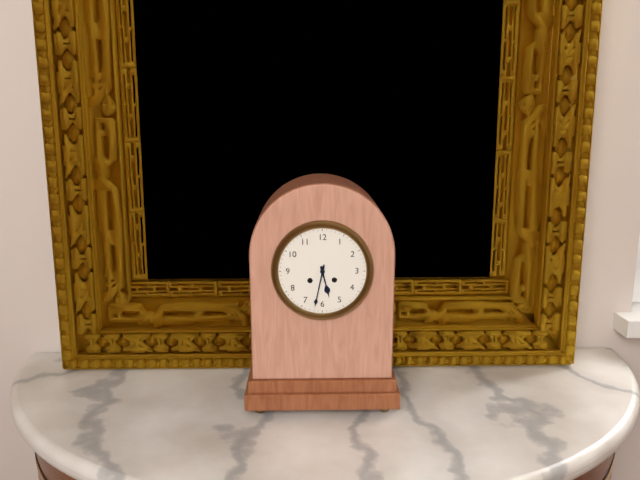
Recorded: h=5 m=32
